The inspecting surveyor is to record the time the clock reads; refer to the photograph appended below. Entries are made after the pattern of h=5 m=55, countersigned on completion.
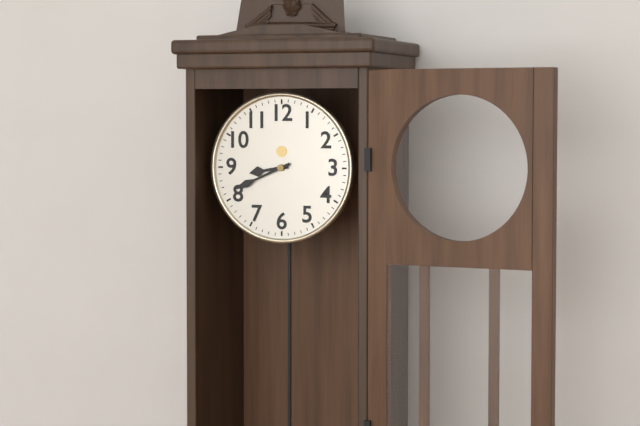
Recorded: h=8 m=41
